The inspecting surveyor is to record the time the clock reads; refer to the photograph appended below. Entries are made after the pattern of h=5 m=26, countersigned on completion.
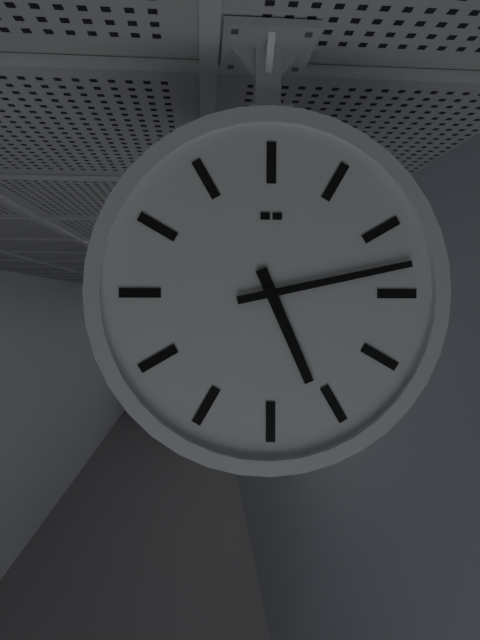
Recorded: h=5 m=13
